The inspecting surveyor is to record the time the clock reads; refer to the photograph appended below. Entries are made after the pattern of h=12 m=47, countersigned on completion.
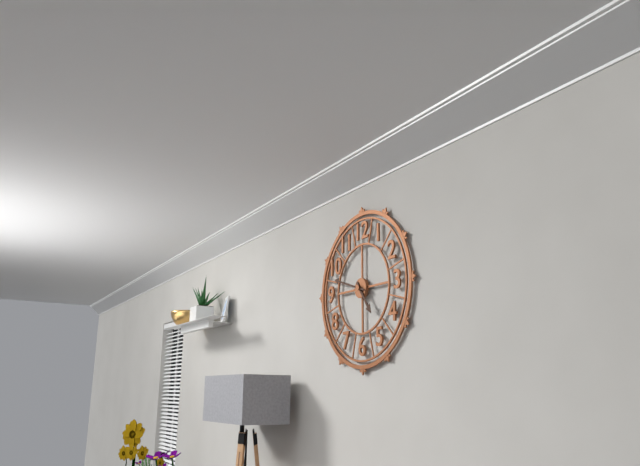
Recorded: h=4 m=48
